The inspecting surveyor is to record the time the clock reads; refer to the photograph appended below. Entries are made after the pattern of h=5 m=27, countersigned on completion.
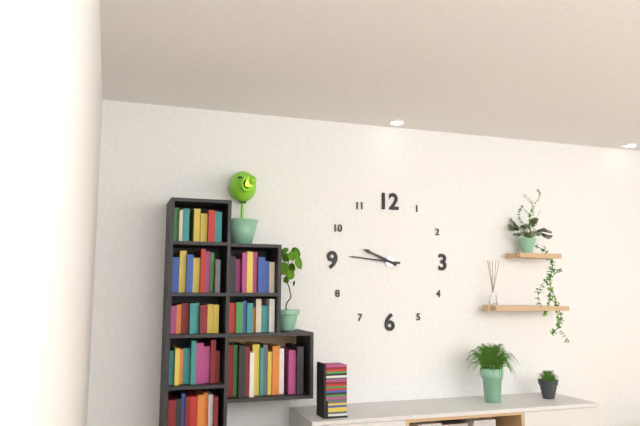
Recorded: h=9 m=46
